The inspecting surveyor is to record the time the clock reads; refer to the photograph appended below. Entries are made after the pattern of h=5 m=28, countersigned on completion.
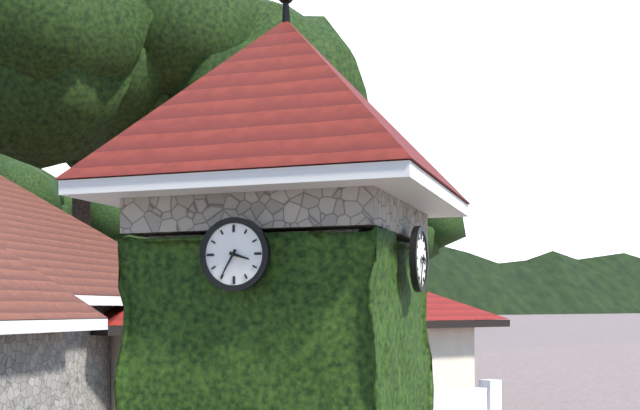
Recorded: h=3 m=35
